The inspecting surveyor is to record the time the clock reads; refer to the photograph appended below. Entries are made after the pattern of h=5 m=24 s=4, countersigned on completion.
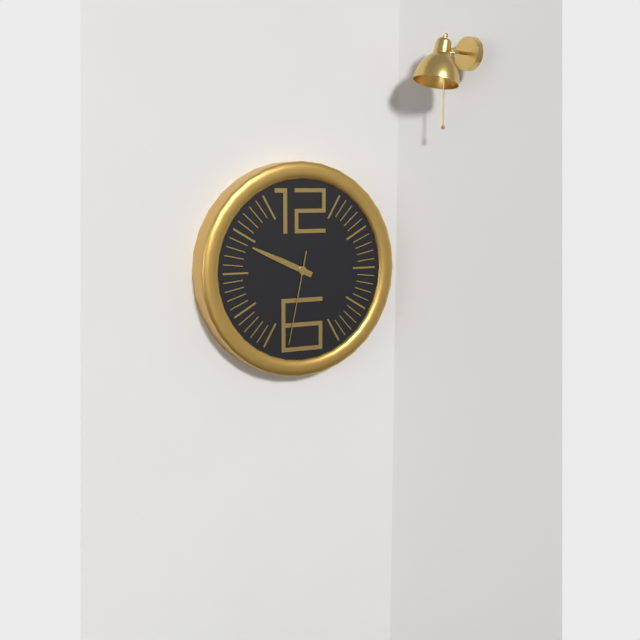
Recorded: h=9 m=49 s=32
